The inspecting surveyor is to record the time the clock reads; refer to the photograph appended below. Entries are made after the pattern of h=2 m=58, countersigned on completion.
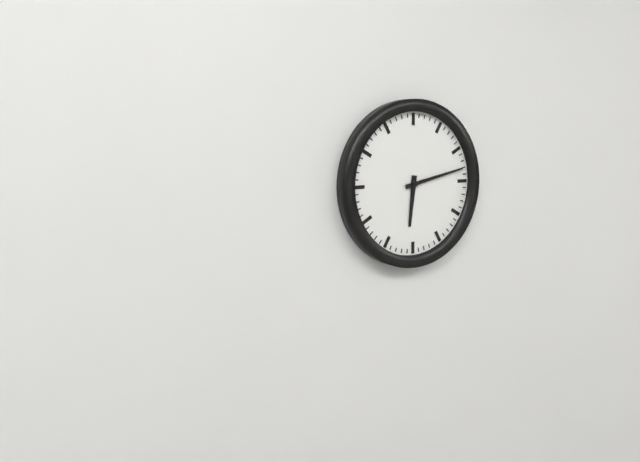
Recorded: h=6 m=13
